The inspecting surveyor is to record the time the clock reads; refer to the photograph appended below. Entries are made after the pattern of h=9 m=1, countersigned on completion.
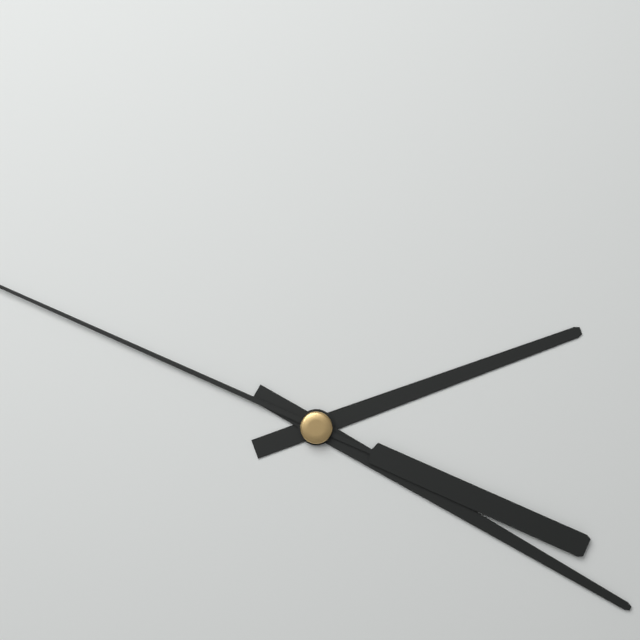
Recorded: h=2 m=20
